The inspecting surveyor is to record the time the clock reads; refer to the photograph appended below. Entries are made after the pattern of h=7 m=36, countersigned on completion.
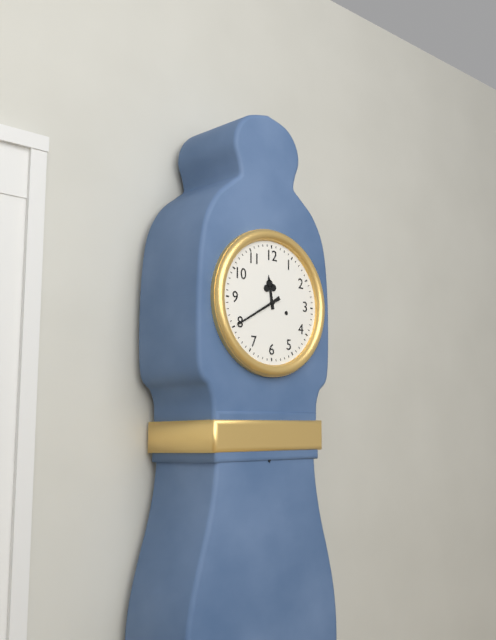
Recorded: h=11 m=40
